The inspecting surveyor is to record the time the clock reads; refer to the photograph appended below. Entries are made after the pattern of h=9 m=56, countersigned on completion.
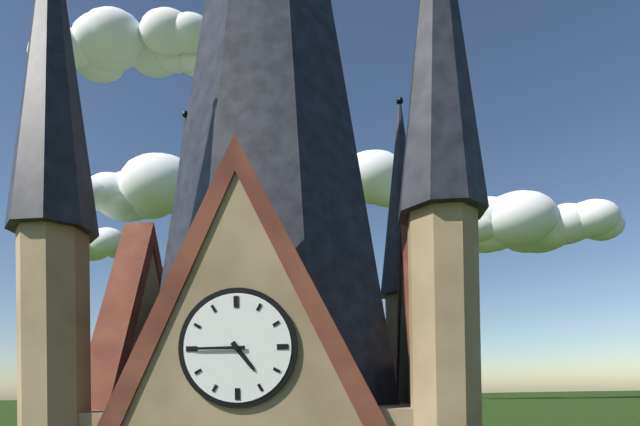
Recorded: h=4 m=45
